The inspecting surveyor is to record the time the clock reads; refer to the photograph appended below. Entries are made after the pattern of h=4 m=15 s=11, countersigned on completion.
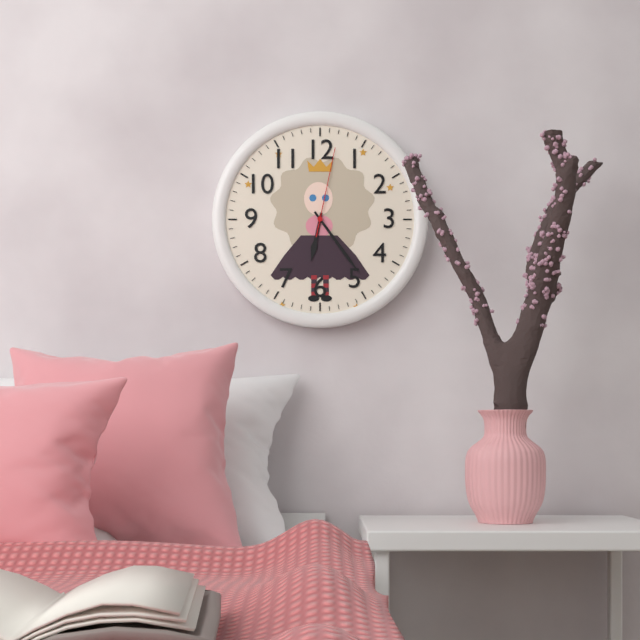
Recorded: h=6 m=24 s=2
